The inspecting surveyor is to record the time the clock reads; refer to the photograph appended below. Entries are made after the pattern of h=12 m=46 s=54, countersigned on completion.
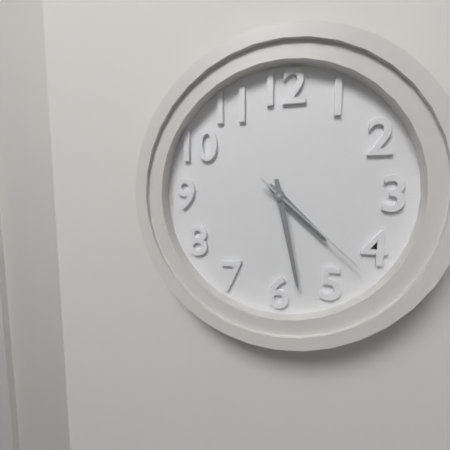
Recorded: h=4 m=28 s=22
